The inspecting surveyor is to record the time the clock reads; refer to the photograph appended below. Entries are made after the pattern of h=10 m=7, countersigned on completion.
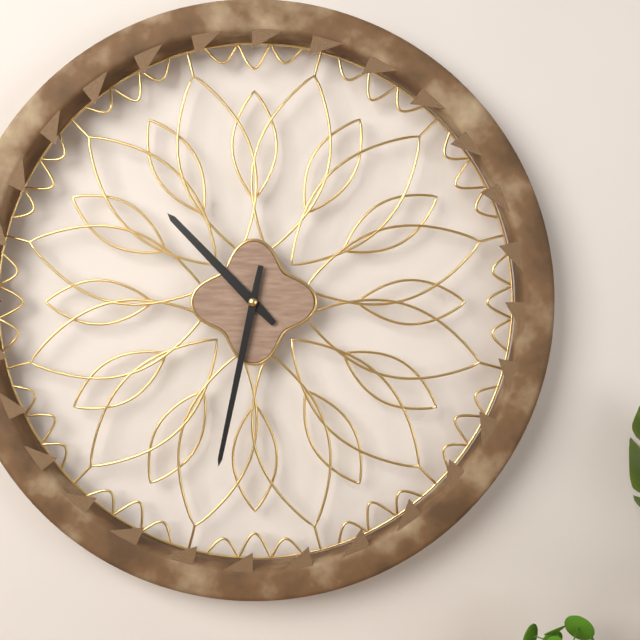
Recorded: h=10 m=32
